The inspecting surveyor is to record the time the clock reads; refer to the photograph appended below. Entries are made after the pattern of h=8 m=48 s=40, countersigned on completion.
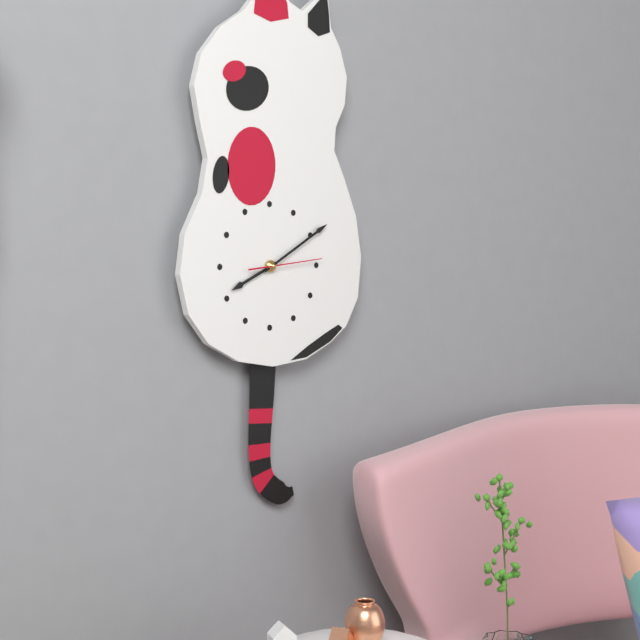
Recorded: h=8 m=10 s=14
